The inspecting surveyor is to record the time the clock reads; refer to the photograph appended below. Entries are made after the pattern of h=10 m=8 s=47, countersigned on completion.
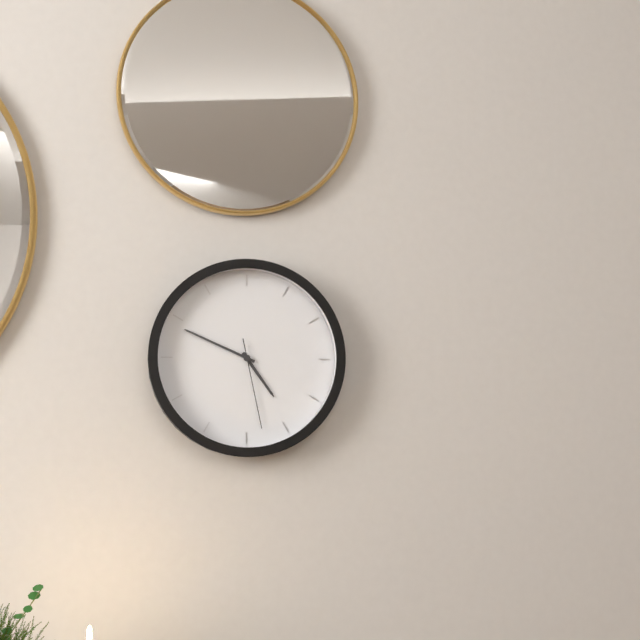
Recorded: h=4 m=49 s=28
